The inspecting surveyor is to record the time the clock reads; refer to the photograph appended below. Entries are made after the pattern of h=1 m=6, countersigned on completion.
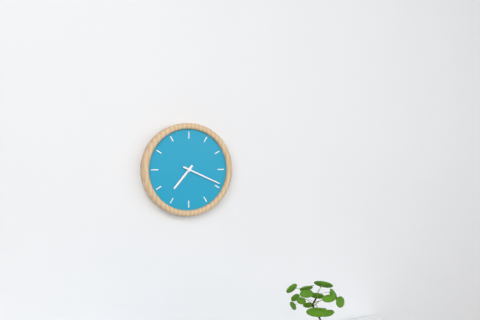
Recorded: h=7 m=19
